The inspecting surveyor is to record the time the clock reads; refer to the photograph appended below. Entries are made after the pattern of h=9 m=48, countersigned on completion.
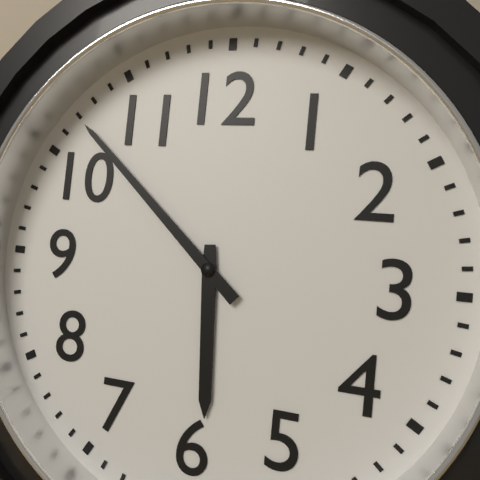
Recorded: h=5 m=52
